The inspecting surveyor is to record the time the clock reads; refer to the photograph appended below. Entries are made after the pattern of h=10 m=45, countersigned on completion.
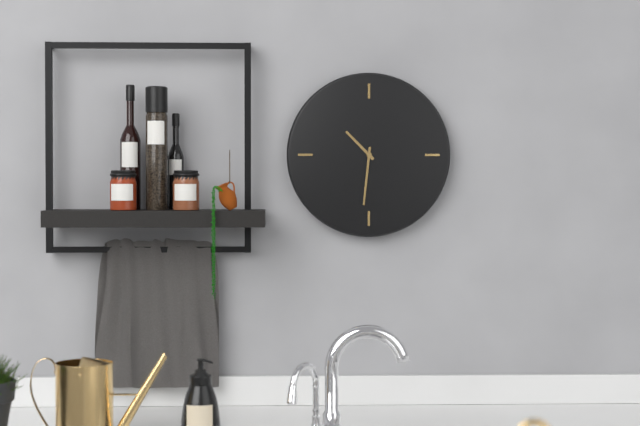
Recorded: h=10 m=31
